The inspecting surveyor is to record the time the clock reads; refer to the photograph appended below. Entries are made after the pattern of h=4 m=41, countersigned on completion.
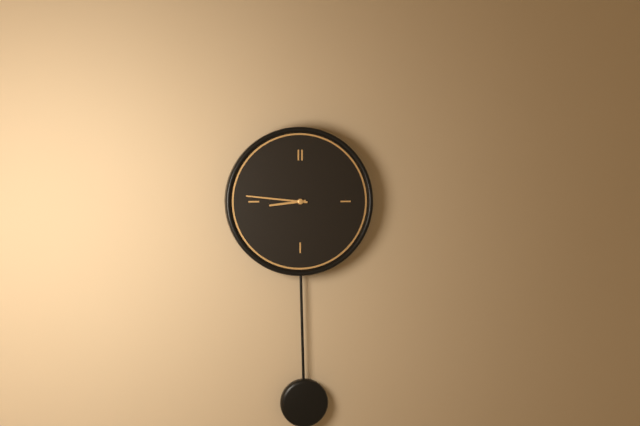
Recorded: h=8 m=46
